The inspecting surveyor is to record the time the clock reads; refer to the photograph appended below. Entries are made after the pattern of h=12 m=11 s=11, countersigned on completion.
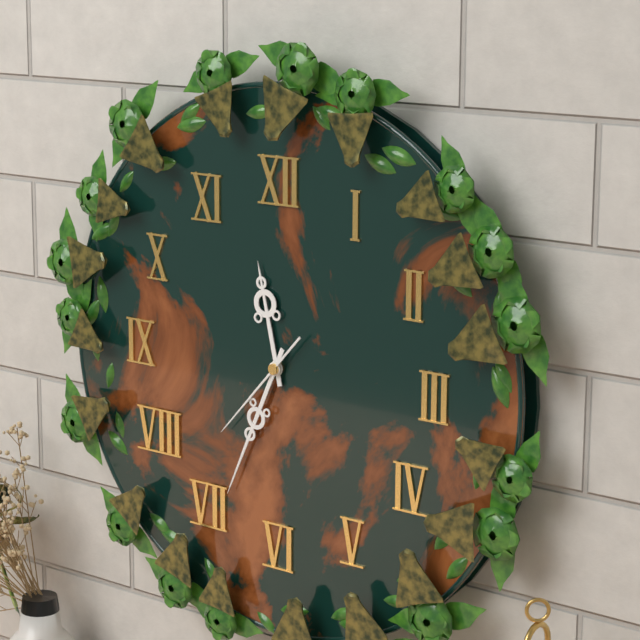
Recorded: h=11 m=34 s=37
